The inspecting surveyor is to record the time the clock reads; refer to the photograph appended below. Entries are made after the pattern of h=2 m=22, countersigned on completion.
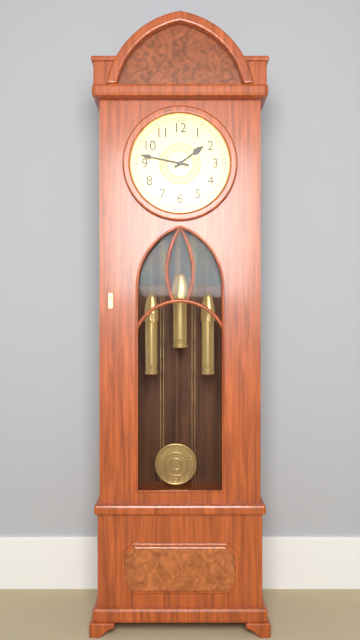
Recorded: h=1 m=47
